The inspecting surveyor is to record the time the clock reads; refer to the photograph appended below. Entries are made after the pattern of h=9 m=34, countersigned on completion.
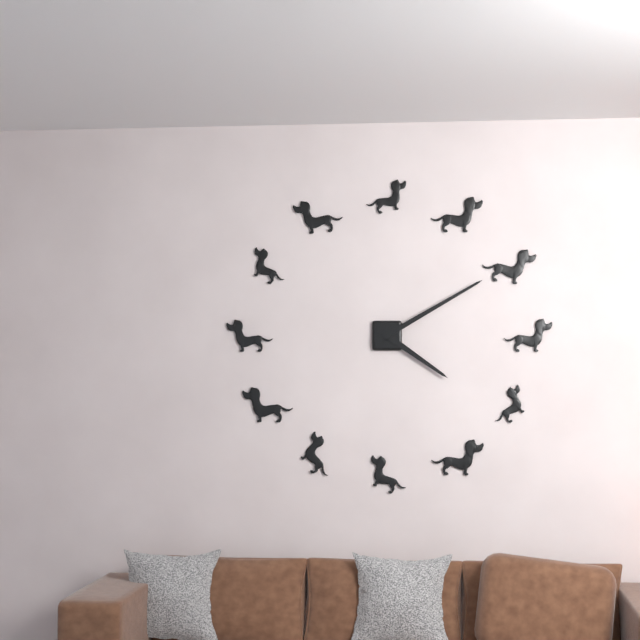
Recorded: h=4 m=10
